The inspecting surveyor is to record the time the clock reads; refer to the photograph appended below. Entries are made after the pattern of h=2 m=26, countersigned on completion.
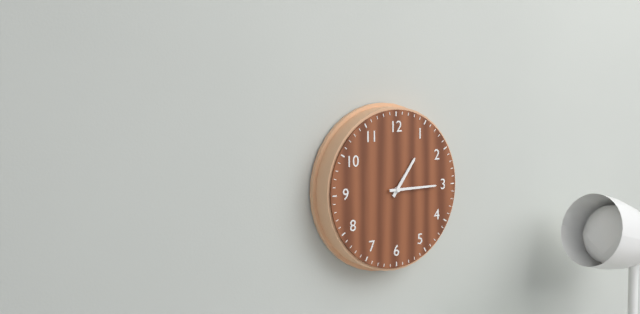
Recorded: h=1 m=15
